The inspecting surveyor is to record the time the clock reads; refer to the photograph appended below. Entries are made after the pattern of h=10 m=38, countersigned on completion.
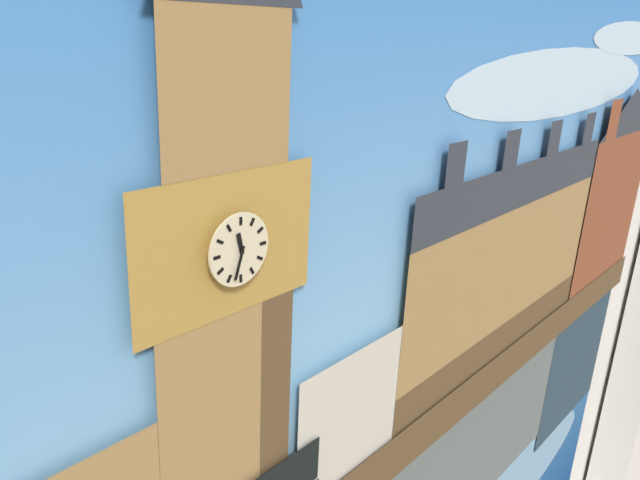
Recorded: h=11 m=33
